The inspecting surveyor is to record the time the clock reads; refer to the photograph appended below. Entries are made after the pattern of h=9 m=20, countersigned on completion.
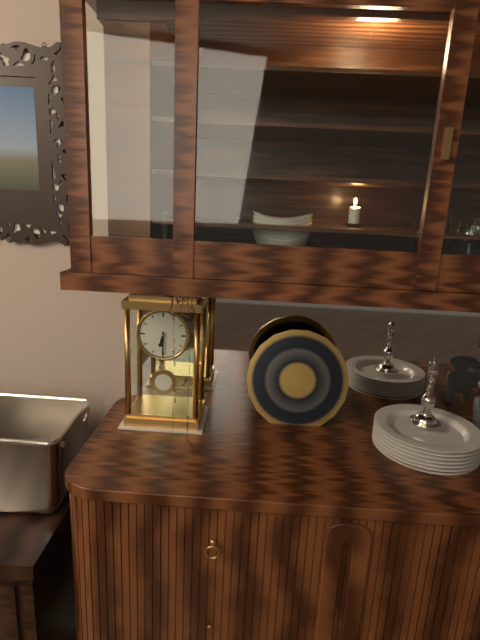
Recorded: h=6 m=30
